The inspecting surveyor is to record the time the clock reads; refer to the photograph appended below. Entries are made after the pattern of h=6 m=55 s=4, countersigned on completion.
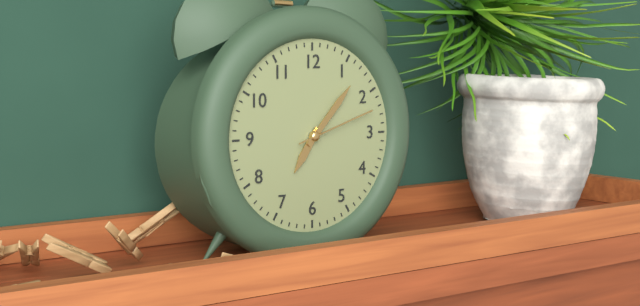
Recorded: h=7 m=7 s=12
